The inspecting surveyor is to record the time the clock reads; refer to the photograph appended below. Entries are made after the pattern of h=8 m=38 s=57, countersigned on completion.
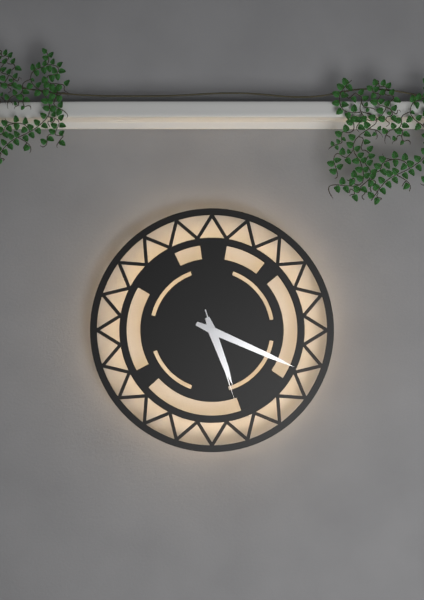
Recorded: h=5 m=19 s=27
